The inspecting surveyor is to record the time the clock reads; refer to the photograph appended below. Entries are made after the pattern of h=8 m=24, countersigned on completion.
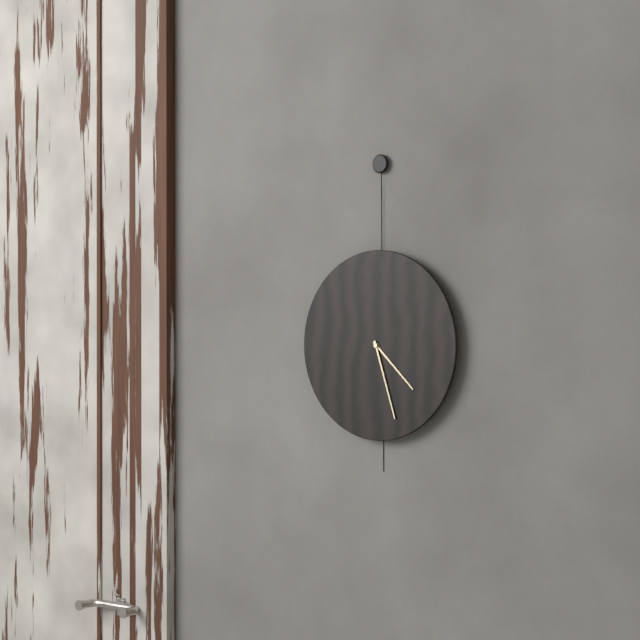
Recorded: h=4 m=27
